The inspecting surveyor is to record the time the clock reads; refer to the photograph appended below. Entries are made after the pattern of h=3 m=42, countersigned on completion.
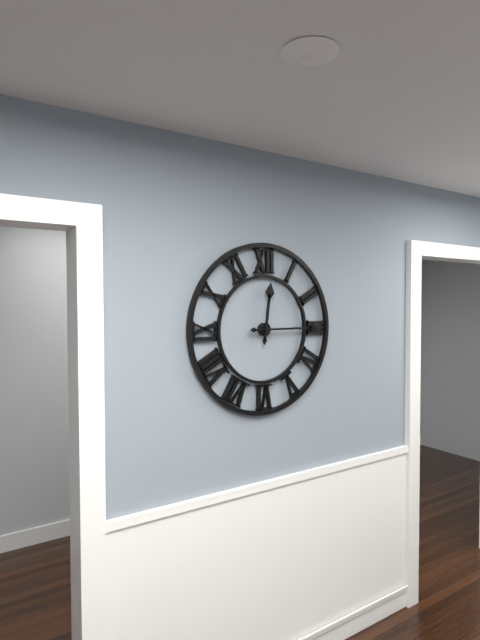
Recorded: h=12 m=15
